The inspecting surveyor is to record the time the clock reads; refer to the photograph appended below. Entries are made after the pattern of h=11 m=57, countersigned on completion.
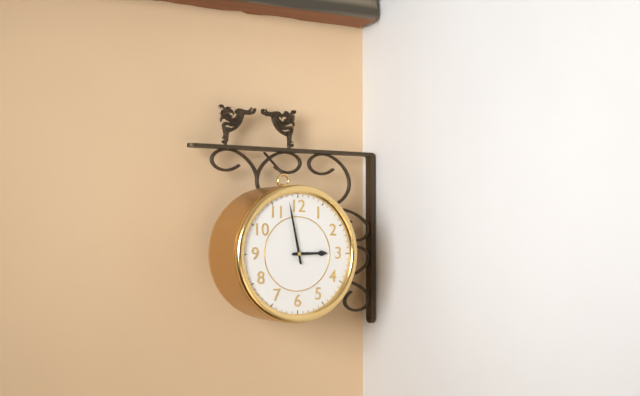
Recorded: h=2 m=58
